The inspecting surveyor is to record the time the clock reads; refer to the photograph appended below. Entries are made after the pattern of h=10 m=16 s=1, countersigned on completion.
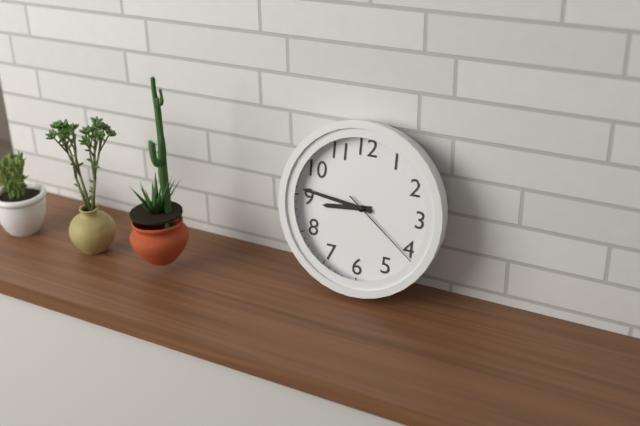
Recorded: h=8 m=46 s=21
